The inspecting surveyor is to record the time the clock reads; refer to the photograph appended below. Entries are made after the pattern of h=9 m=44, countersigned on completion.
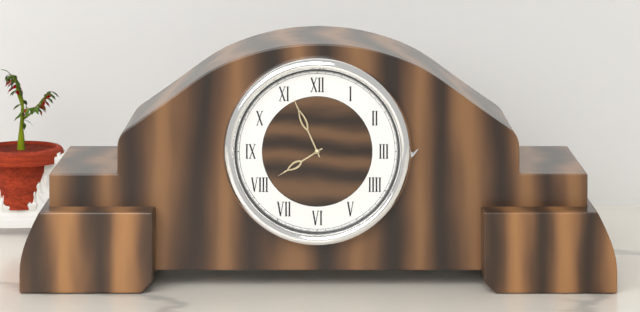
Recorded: h=7 m=56
